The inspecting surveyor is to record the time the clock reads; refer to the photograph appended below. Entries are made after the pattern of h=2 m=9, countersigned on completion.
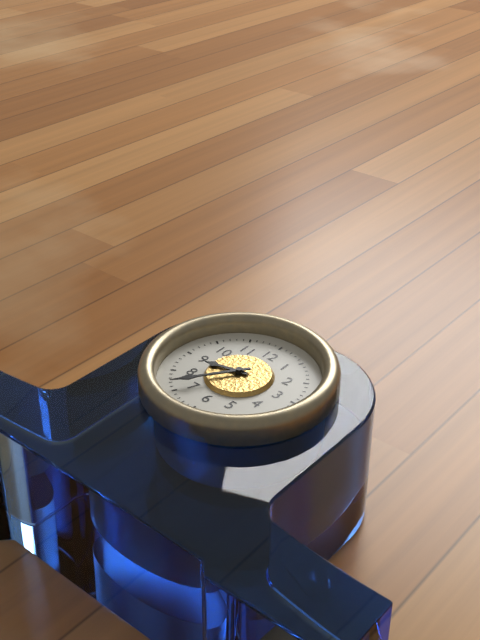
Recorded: h=8 m=36
